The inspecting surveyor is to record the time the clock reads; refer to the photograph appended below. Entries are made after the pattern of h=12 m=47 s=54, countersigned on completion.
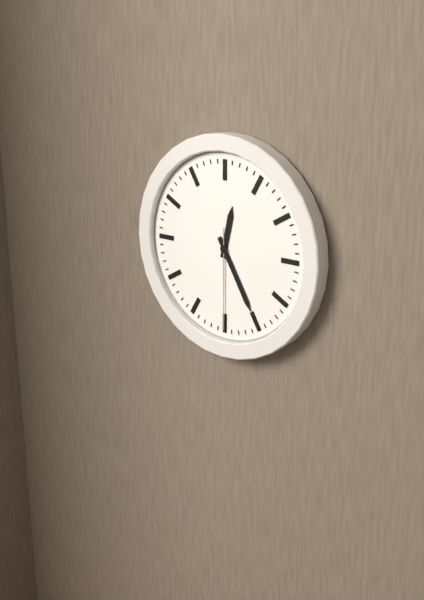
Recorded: h=12 m=25 s=30
